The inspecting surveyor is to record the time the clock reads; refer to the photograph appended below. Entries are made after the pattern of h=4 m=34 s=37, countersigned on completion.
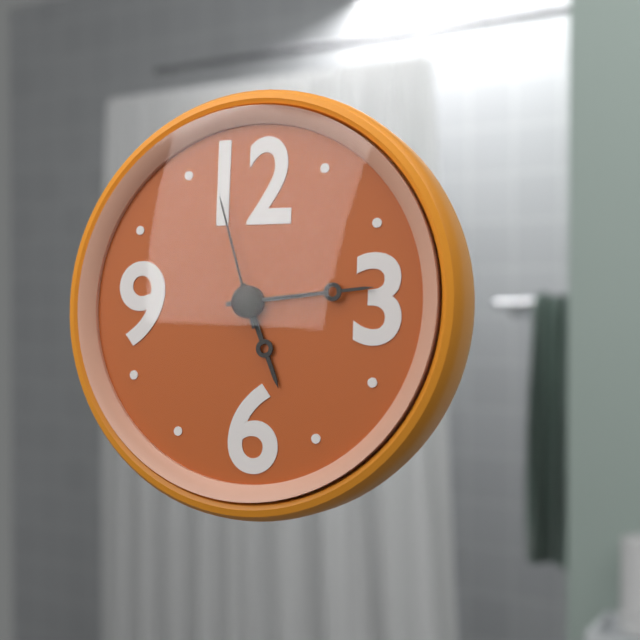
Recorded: h=5 m=14 s=57
